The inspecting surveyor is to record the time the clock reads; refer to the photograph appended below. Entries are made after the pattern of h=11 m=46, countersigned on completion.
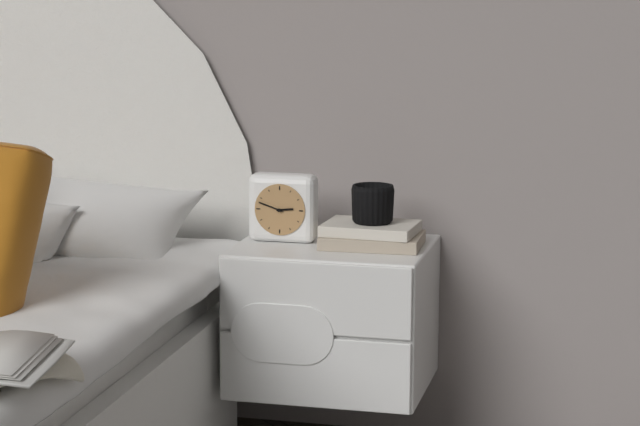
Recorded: h=2 m=48
